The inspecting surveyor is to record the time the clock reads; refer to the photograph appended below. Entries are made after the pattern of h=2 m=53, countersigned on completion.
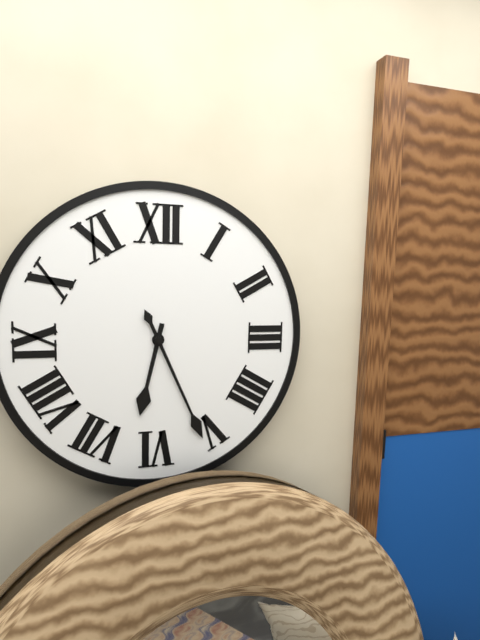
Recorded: h=6 m=26
